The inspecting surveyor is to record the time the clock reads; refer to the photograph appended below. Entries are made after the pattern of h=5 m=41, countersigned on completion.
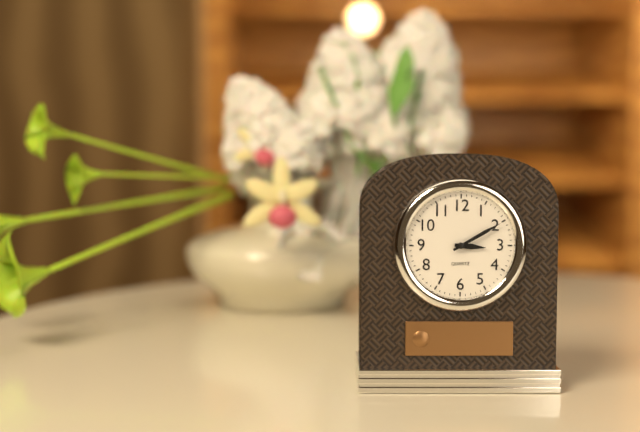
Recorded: h=3 m=10
